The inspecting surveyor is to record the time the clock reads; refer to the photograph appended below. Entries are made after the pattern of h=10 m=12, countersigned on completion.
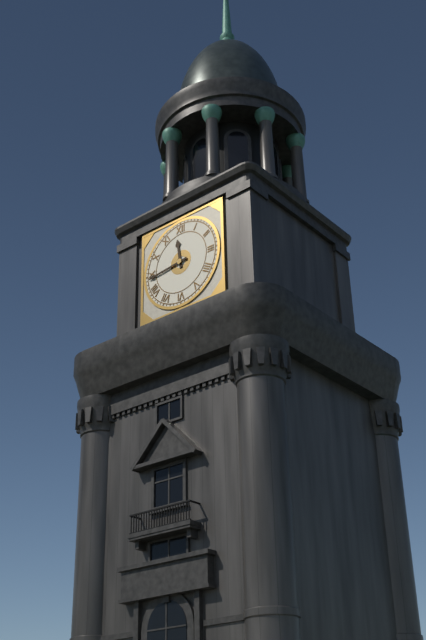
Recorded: h=11 m=44
